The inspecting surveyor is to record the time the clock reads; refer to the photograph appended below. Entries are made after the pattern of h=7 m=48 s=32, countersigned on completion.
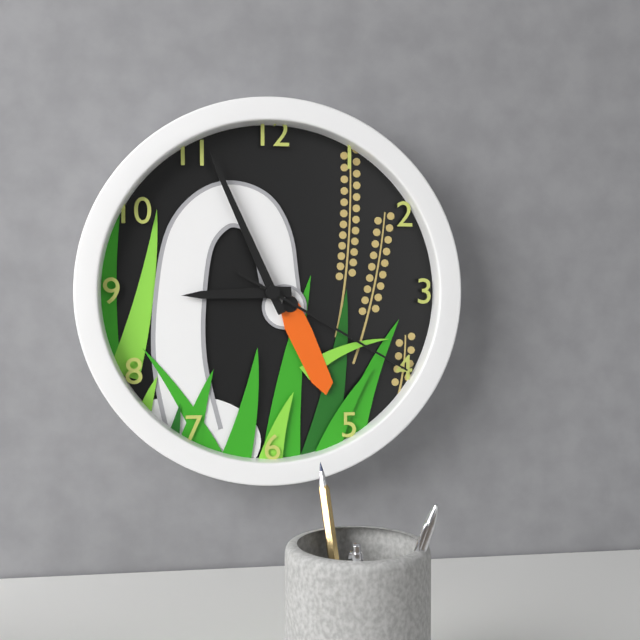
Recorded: h=8 m=56 s=20
